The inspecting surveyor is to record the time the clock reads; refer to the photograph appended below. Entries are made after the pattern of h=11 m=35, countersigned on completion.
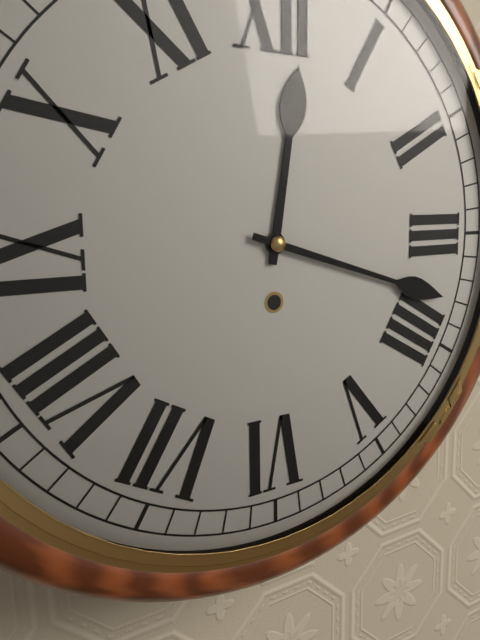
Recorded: h=12 m=18
